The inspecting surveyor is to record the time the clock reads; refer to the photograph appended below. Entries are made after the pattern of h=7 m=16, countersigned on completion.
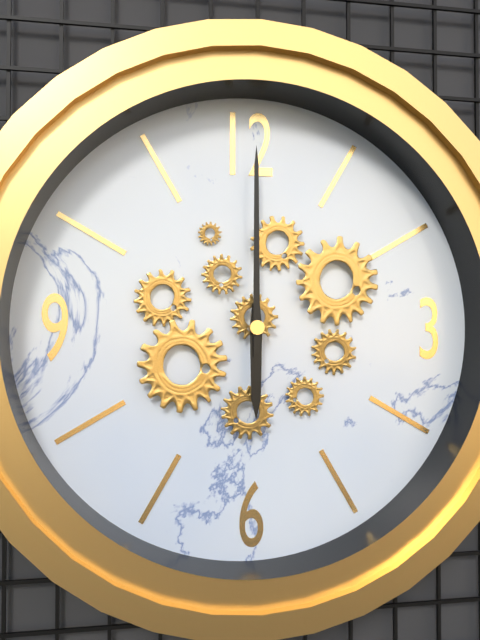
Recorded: h=6 m=0
